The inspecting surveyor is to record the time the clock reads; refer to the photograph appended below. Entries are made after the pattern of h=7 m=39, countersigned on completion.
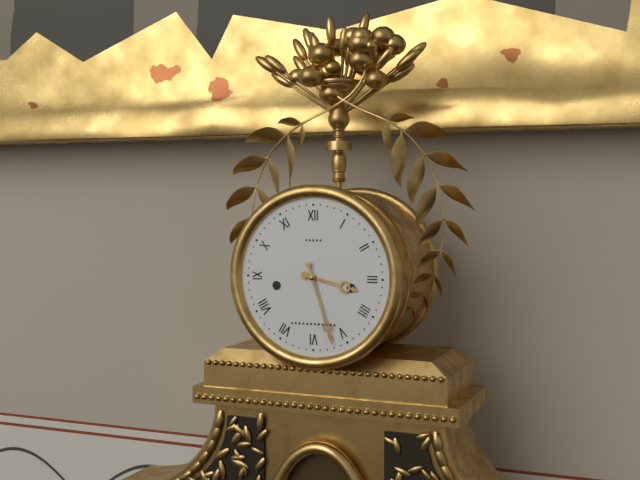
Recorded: h=3 m=27
